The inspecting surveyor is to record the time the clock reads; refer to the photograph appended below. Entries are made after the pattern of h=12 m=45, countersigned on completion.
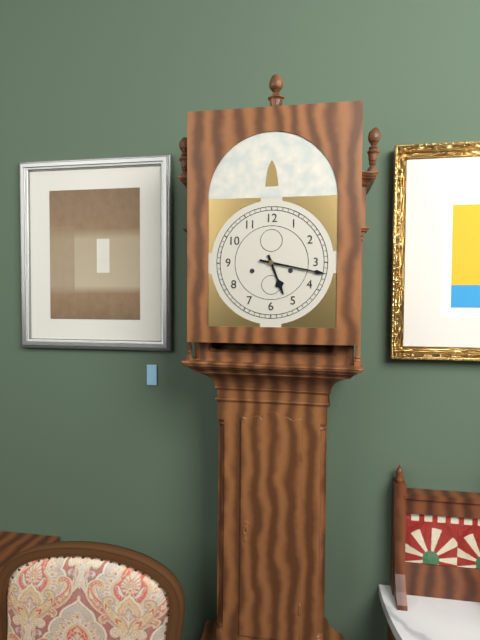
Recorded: h=5 m=17
